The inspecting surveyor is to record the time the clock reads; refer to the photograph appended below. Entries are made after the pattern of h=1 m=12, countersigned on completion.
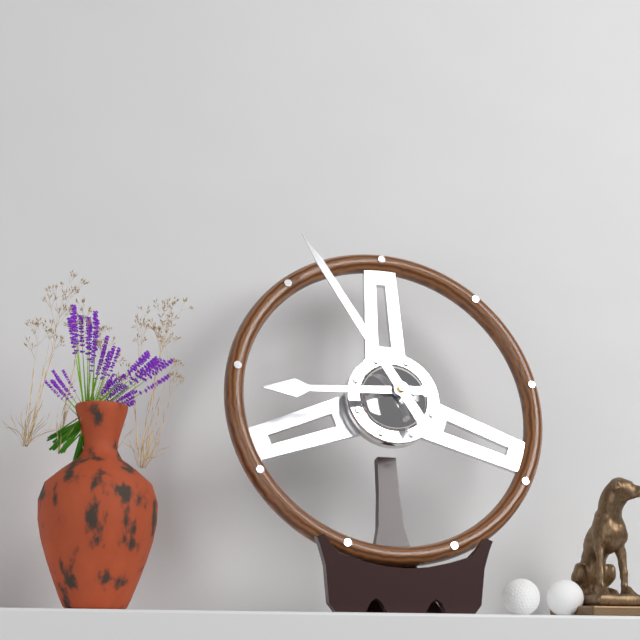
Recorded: h=8 m=55
